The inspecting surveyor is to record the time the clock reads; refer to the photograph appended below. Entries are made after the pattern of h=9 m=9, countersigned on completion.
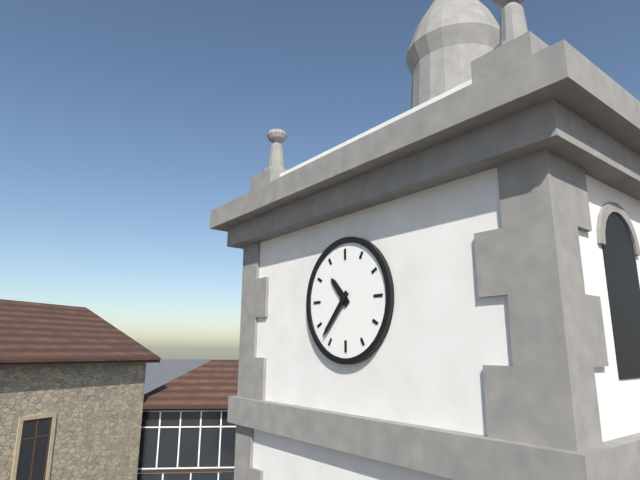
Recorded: h=10 m=37
